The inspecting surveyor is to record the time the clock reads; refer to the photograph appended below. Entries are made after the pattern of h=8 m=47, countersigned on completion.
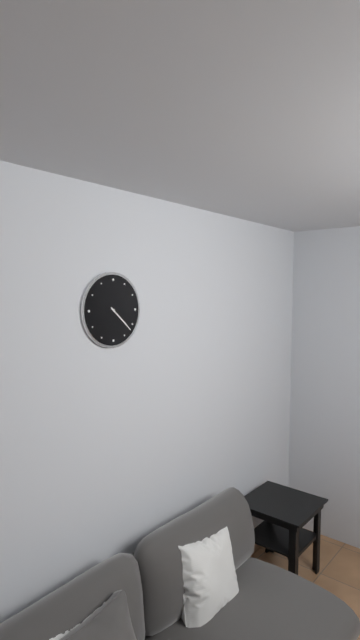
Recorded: h=4 m=22
